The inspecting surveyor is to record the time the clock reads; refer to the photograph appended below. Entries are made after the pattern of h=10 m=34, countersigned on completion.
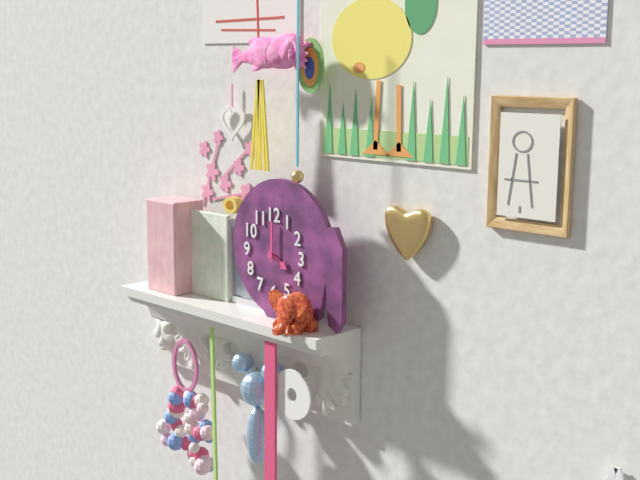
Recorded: h=4 m=0
